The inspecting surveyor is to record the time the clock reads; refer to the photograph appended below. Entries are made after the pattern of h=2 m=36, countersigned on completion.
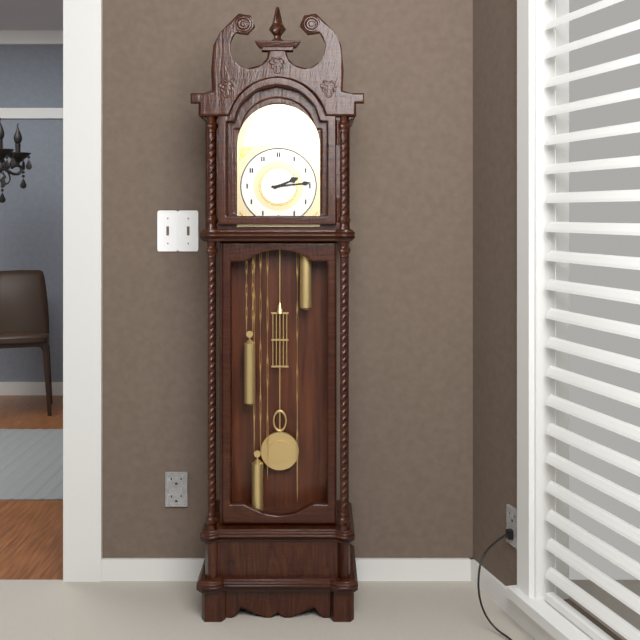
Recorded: h=2 m=14
